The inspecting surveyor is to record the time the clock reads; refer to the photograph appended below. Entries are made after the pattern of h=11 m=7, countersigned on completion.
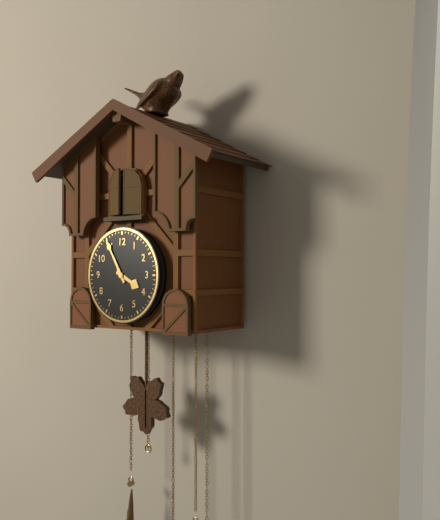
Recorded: h=3 m=55
